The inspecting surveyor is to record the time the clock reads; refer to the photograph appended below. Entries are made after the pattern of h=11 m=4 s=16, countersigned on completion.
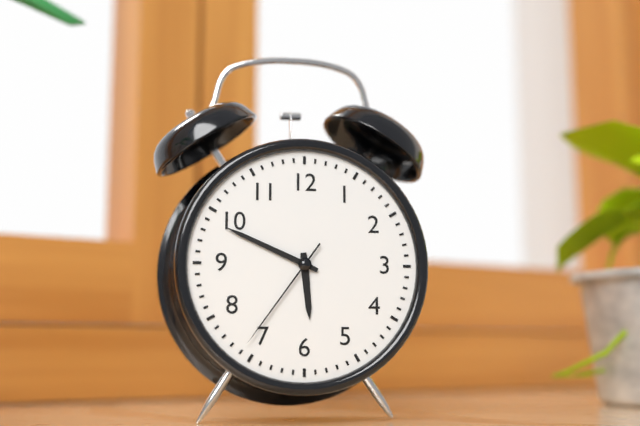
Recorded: h=5 m=49 s=36
